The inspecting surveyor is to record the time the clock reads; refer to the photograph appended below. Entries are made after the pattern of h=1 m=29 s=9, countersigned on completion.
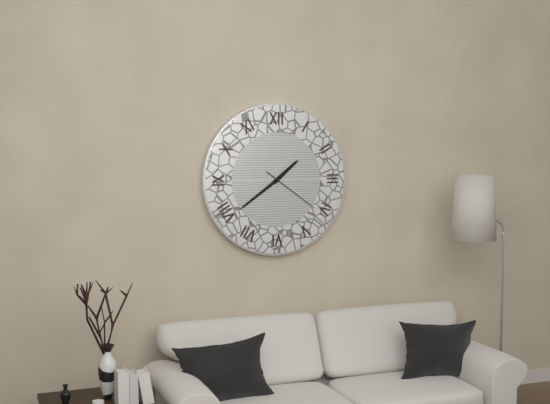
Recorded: h=1 m=39 s=21
